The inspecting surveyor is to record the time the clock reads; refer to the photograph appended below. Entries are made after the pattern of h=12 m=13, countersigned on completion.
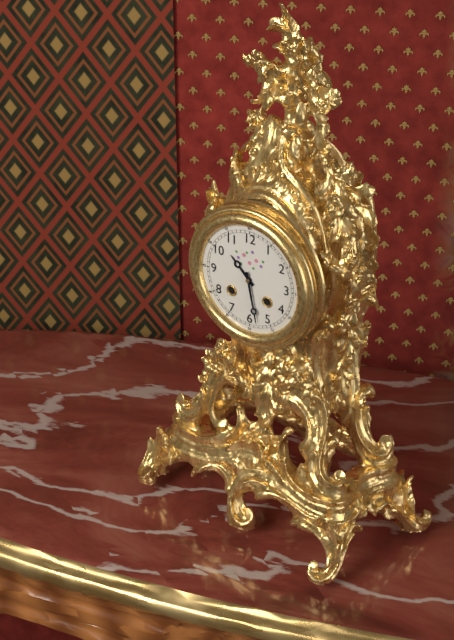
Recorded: h=10 m=28
